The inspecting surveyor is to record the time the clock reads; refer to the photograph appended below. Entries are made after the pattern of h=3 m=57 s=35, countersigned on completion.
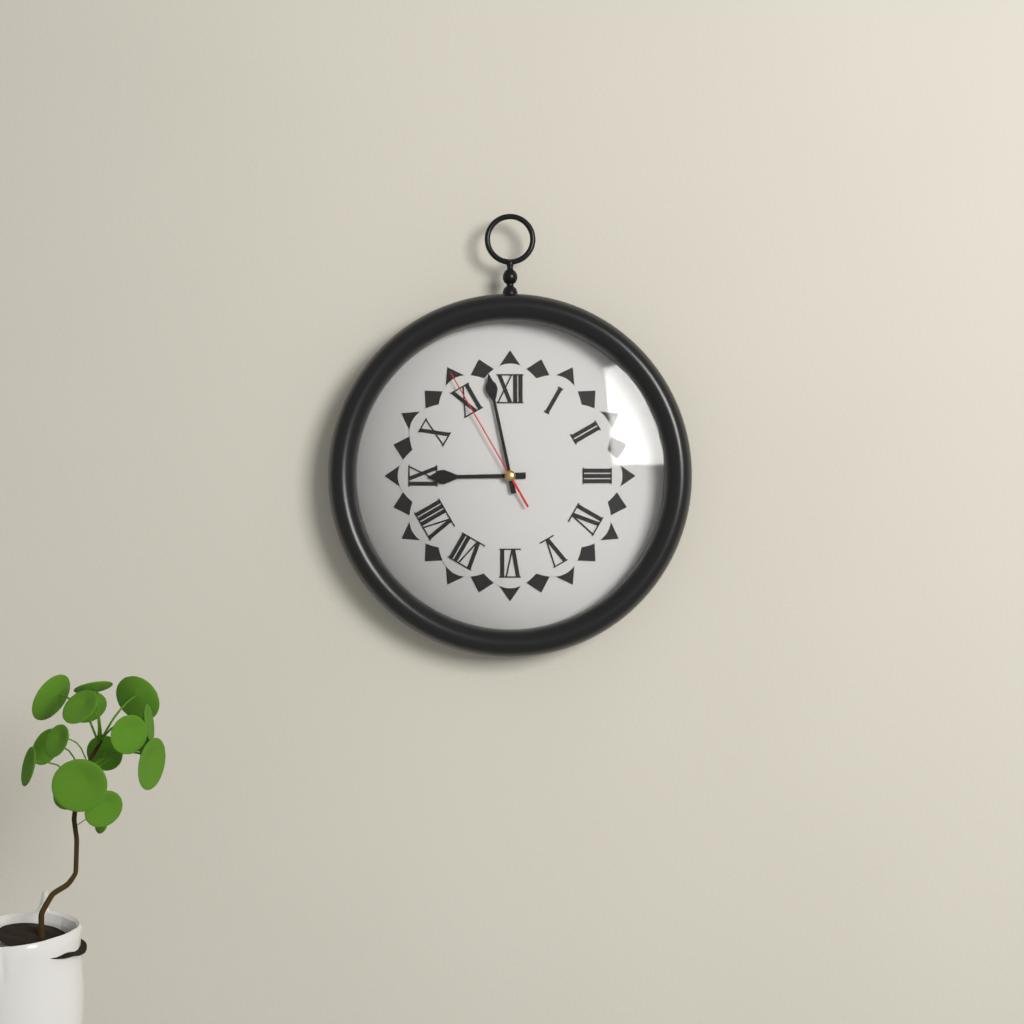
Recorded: h=8 m=58 s=55
